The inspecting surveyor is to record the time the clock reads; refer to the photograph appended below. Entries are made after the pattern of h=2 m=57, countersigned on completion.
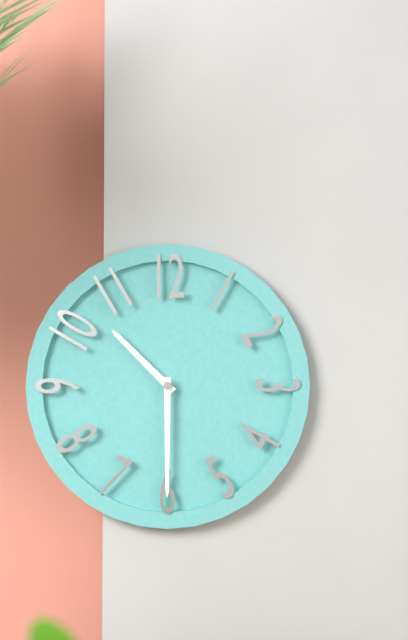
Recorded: h=10 m=30
